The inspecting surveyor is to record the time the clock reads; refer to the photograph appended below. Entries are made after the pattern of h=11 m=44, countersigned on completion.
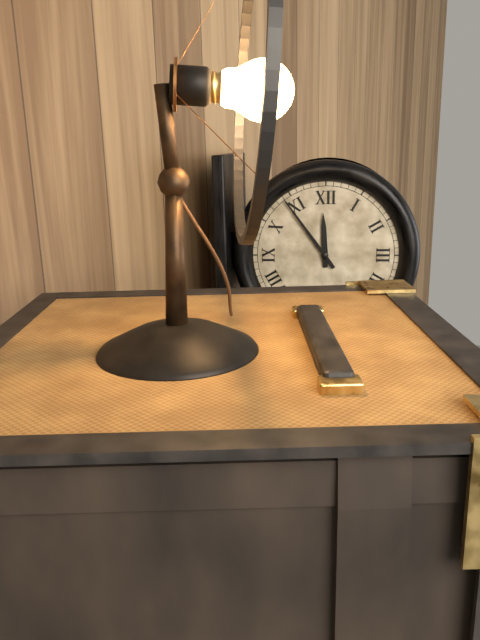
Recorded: h=11 m=54
